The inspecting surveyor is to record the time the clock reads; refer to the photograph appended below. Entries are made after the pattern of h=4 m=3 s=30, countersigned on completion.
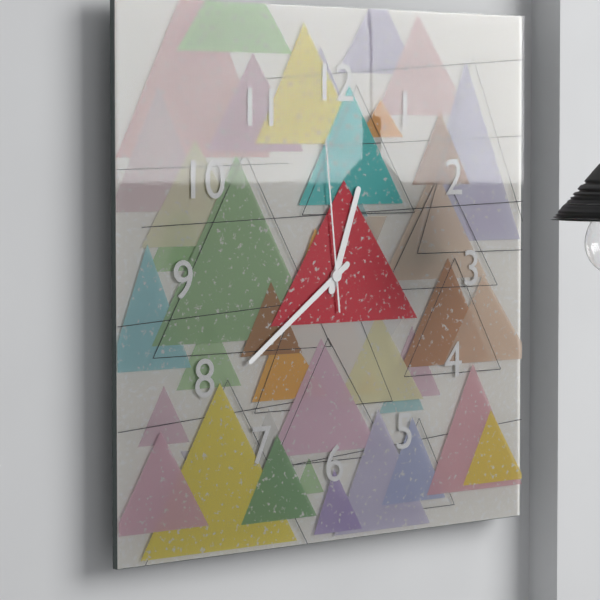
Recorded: h=12 m=39 s=59
